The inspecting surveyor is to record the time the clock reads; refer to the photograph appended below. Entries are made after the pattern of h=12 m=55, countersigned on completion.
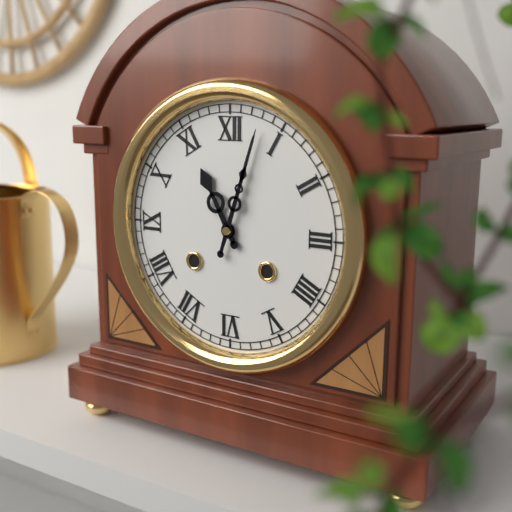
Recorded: h=11 m=3
